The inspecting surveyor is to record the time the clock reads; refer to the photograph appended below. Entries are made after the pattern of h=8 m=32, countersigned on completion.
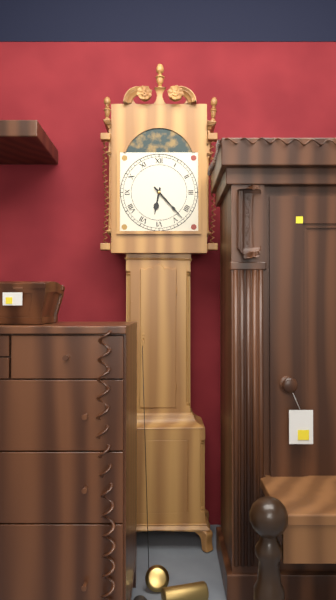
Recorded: h=6 m=23
